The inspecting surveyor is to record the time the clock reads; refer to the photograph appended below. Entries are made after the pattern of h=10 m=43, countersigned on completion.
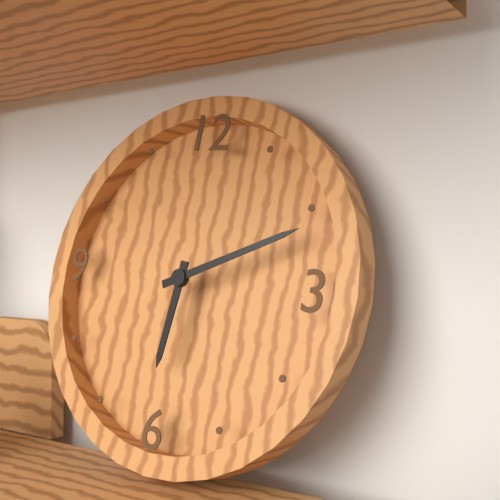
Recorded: h=6 m=11
